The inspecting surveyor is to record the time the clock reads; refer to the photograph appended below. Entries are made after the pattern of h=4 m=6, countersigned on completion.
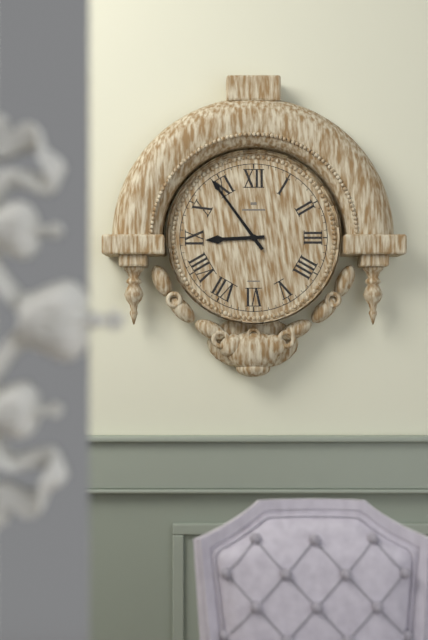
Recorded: h=8 m=54
